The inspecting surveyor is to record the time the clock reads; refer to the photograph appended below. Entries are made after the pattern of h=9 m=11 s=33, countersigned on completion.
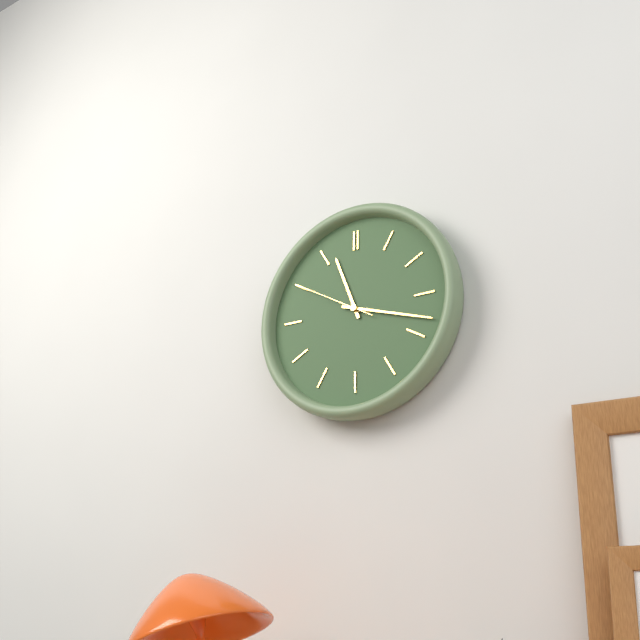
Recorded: h=11 m=18 s=50
